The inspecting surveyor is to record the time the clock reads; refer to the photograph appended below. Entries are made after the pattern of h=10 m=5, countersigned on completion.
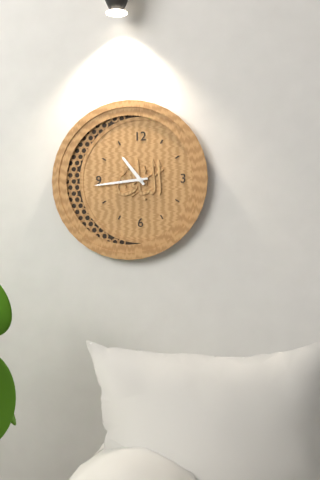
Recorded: h=10 m=44
